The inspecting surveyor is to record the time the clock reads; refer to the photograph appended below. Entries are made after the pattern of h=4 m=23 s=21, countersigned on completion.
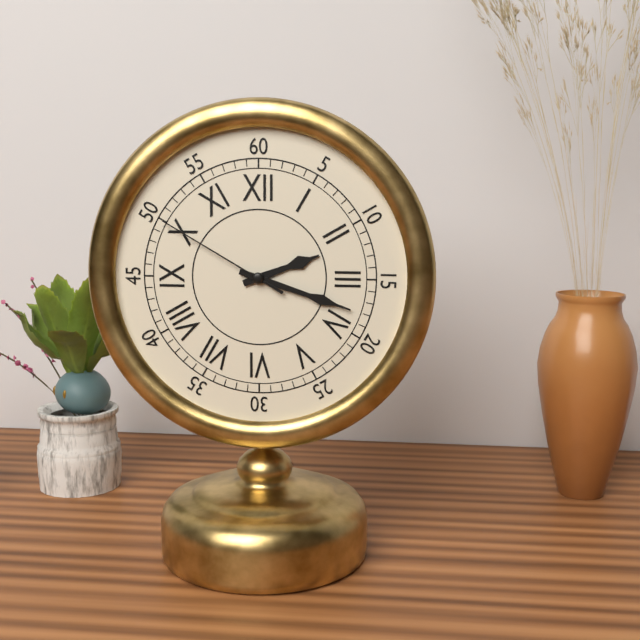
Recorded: h=2 m=18 s=50
